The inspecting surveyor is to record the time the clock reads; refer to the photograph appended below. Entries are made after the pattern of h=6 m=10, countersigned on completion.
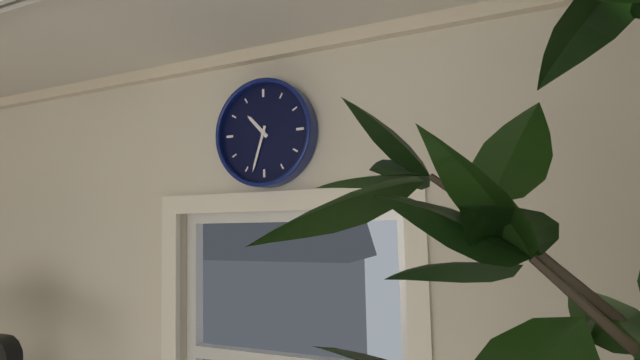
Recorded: h=10 m=33
